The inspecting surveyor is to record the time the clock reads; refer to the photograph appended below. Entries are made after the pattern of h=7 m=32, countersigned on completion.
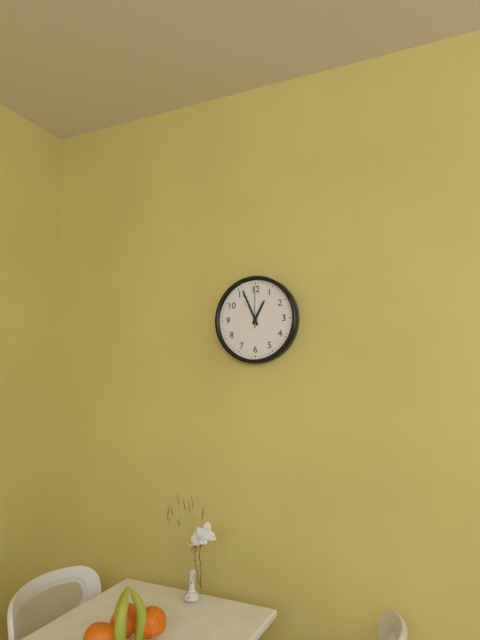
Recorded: h=12 m=56
